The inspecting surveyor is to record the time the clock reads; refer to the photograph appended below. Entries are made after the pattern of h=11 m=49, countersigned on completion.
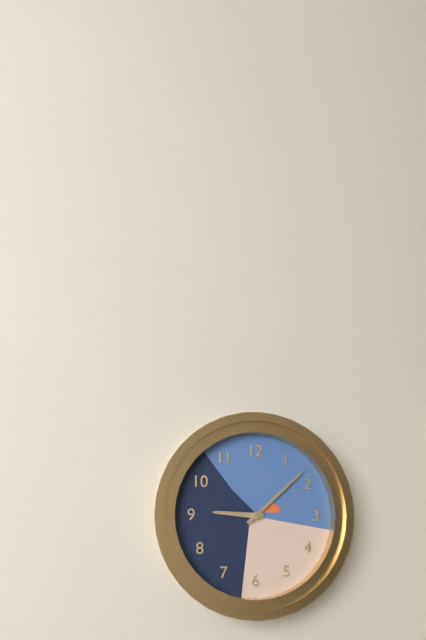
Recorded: h=9 m=8
